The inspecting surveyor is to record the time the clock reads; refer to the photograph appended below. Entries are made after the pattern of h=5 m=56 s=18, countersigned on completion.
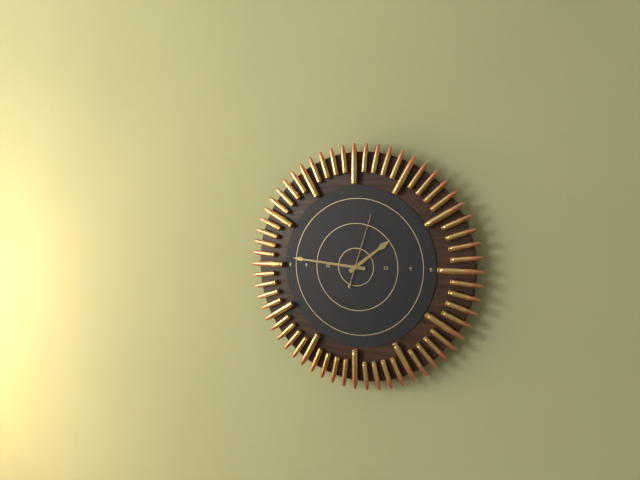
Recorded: h=1 m=46 s=3
